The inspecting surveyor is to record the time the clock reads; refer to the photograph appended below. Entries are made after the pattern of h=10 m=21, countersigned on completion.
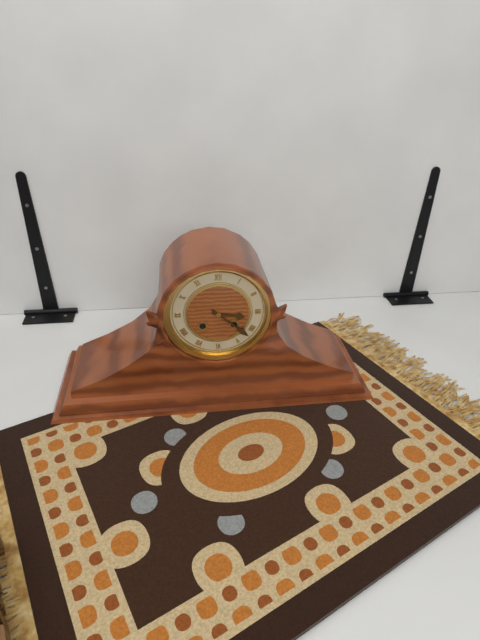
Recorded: h=3 m=22
